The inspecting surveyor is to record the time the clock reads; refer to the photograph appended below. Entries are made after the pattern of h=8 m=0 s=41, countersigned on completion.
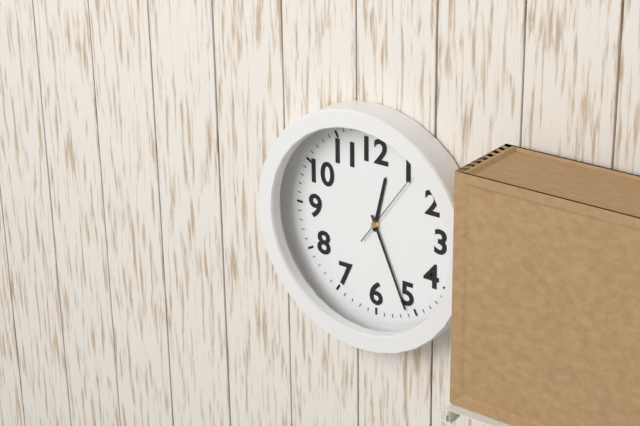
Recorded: h=12 m=26 s=6
